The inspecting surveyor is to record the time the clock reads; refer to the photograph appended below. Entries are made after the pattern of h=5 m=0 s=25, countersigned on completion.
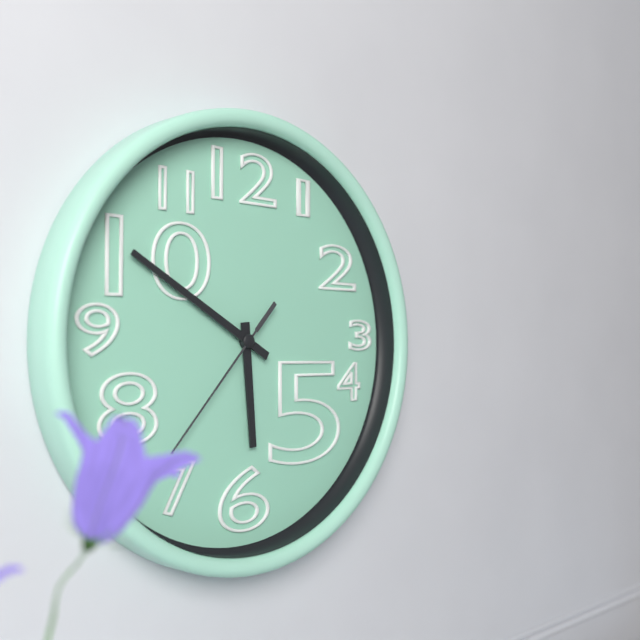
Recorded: h=5 m=50 s=37
